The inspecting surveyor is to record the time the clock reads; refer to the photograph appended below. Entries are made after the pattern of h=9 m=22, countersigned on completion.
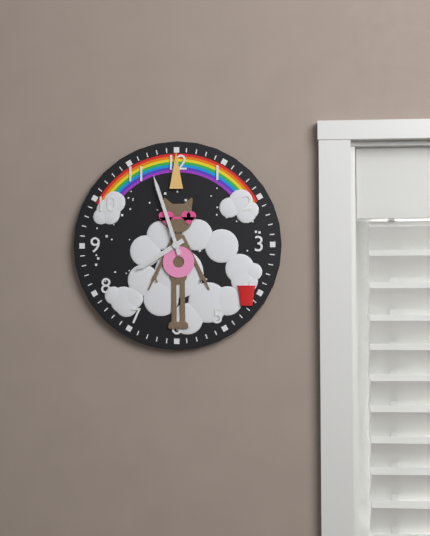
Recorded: h=7 m=57
